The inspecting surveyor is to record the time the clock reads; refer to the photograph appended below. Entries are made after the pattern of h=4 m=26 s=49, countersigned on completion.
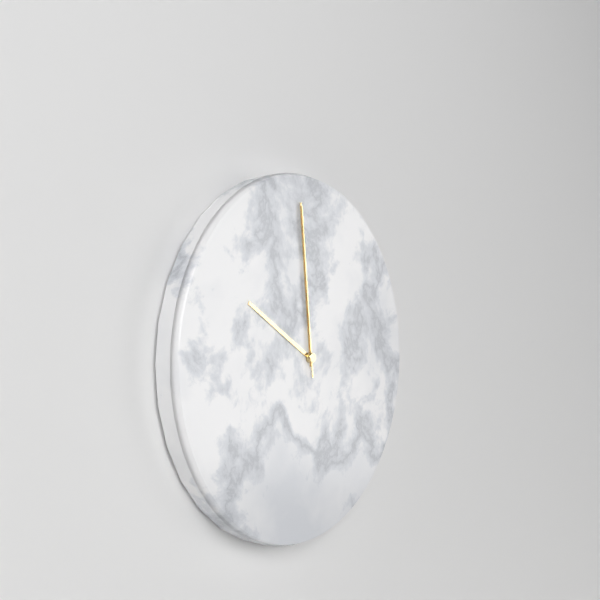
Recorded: h=9 m=59 s=59
